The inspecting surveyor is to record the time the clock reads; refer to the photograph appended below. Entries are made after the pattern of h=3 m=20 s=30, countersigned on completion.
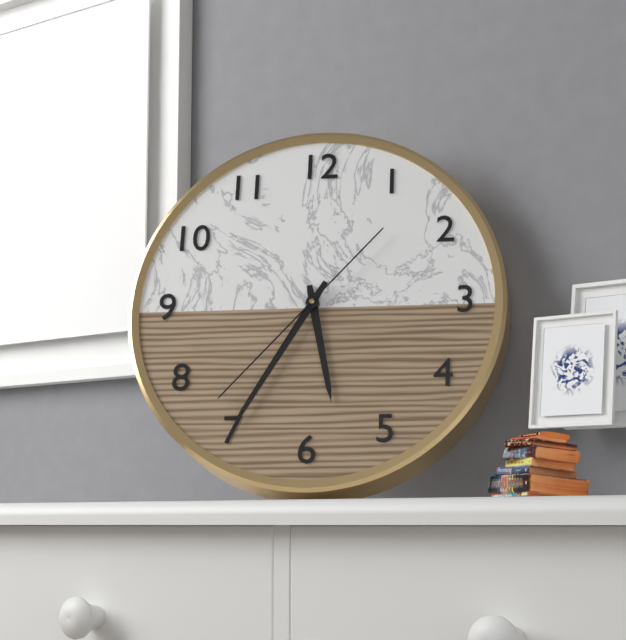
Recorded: h=5 m=35 s=37
